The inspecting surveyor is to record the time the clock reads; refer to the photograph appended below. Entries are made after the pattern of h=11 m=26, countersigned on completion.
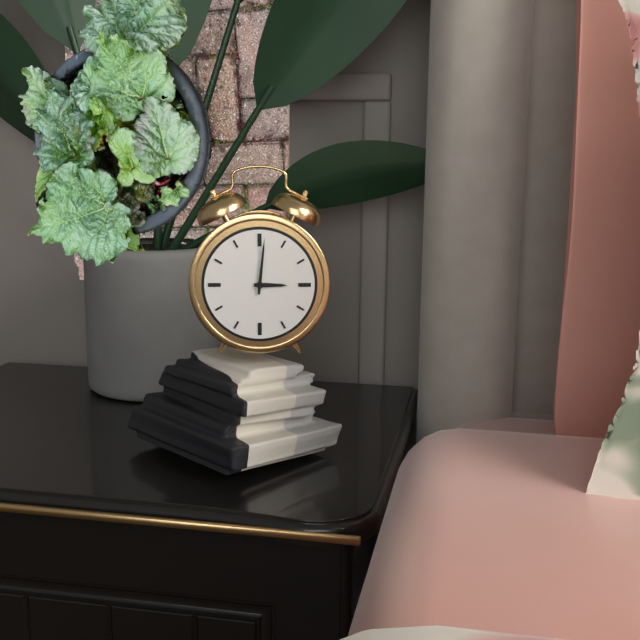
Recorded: h=3 m=1
